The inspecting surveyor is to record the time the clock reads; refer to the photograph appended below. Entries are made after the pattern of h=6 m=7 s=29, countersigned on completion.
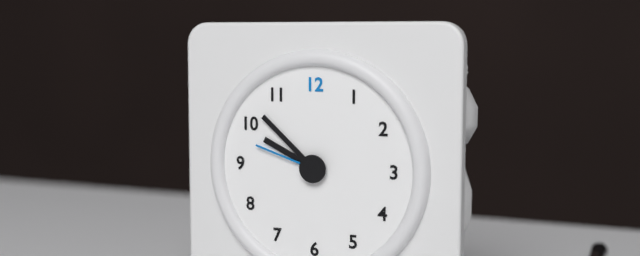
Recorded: h=9 m=52 s=48
